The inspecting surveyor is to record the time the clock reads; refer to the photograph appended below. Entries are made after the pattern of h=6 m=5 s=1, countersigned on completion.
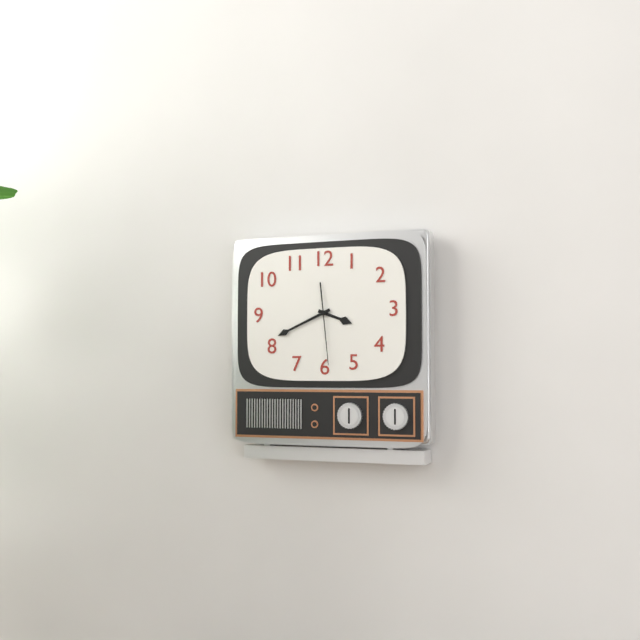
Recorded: h=3 m=41 s=29
